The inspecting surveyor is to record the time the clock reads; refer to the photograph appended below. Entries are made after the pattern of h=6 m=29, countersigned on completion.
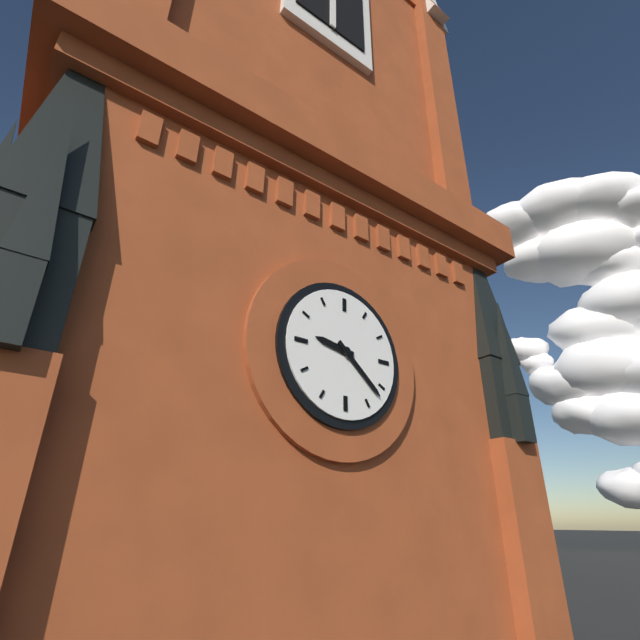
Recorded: h=9 m=22
